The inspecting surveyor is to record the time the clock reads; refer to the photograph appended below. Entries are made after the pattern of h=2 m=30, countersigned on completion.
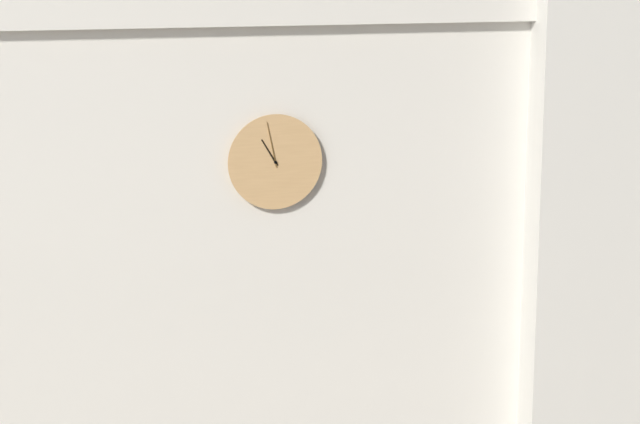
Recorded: h=10 m=58
